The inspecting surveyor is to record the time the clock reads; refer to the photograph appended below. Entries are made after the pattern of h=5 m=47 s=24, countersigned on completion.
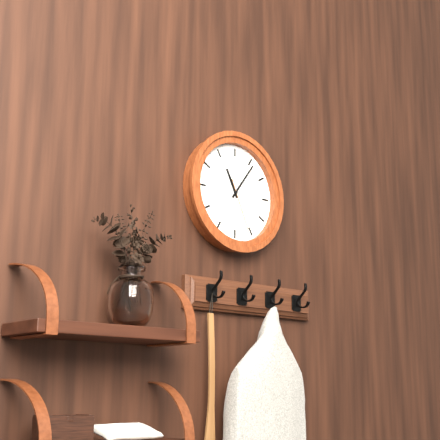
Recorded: h=11 m=6 s=26
